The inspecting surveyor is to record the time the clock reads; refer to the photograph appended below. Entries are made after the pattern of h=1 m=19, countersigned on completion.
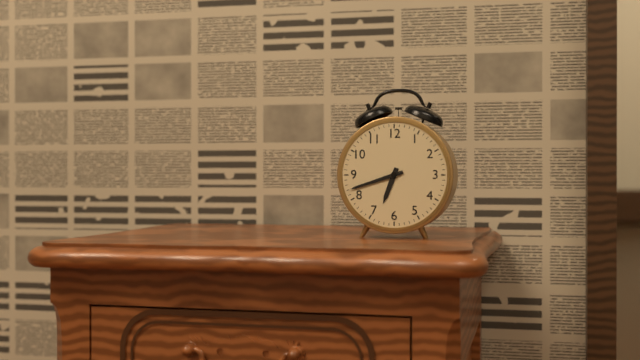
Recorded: h=6 m=42
